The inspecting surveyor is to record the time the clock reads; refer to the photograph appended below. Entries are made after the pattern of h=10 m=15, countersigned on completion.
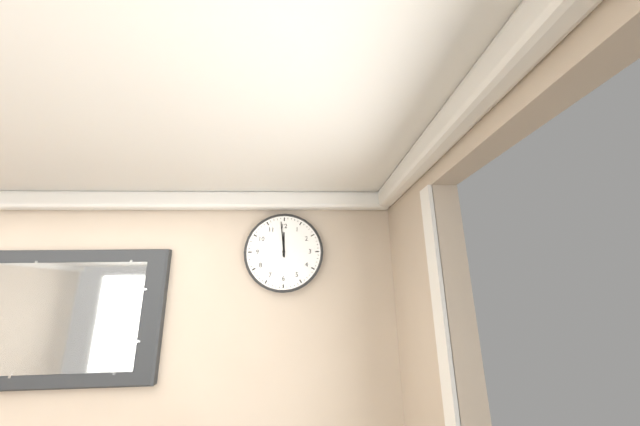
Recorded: h=11 m=59
